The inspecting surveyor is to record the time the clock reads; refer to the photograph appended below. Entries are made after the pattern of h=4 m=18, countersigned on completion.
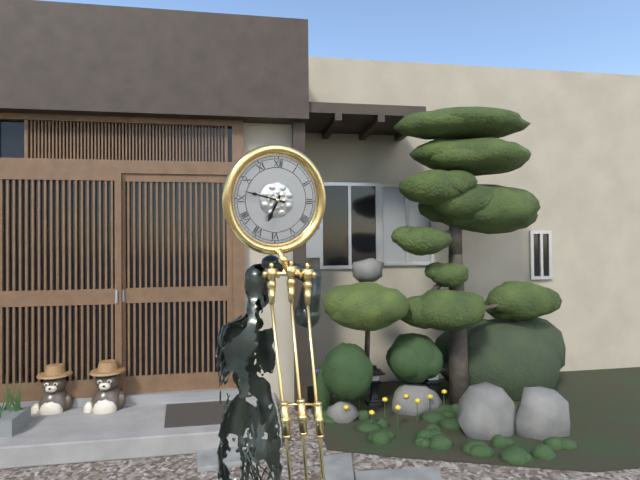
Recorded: h=6 m=47
